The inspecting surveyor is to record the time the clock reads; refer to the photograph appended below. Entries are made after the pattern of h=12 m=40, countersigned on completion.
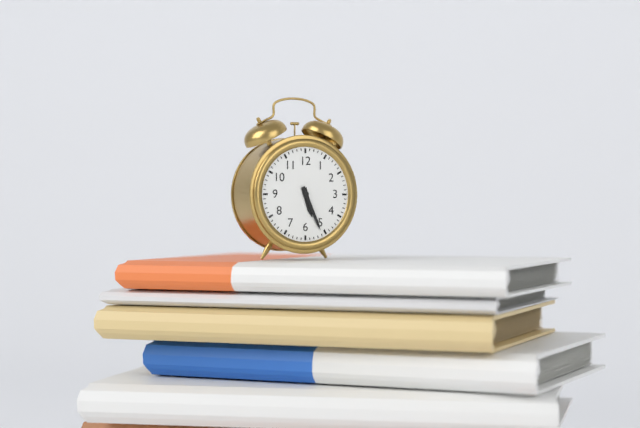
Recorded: h=5 m=26
